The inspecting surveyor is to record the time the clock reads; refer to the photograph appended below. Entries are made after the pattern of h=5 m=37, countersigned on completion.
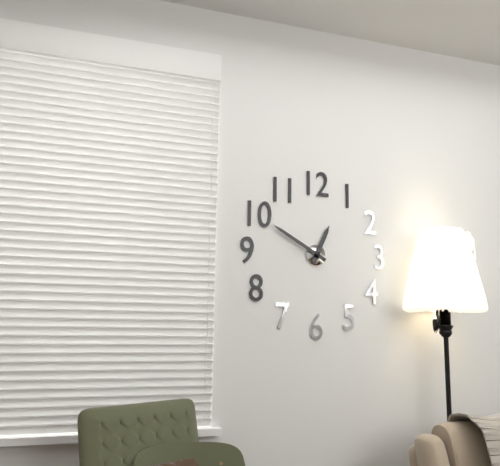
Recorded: h=12 m=50
